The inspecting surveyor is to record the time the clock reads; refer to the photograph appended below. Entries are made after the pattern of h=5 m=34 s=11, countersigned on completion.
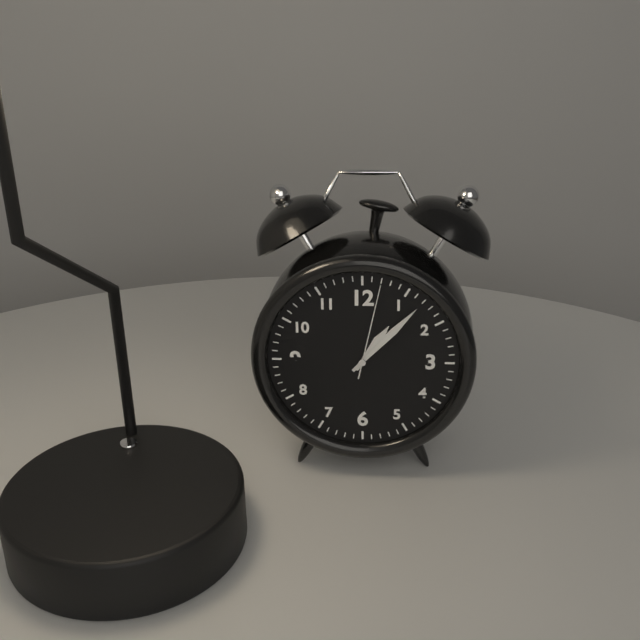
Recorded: h=1 m=7 s=2
